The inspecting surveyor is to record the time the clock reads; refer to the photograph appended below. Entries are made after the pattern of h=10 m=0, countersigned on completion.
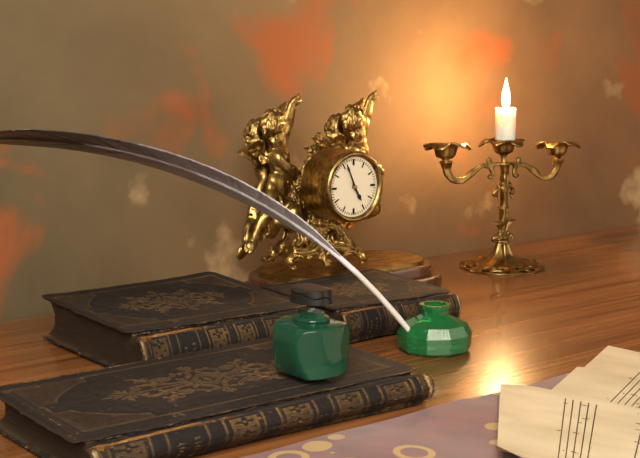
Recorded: h=4 m=56
